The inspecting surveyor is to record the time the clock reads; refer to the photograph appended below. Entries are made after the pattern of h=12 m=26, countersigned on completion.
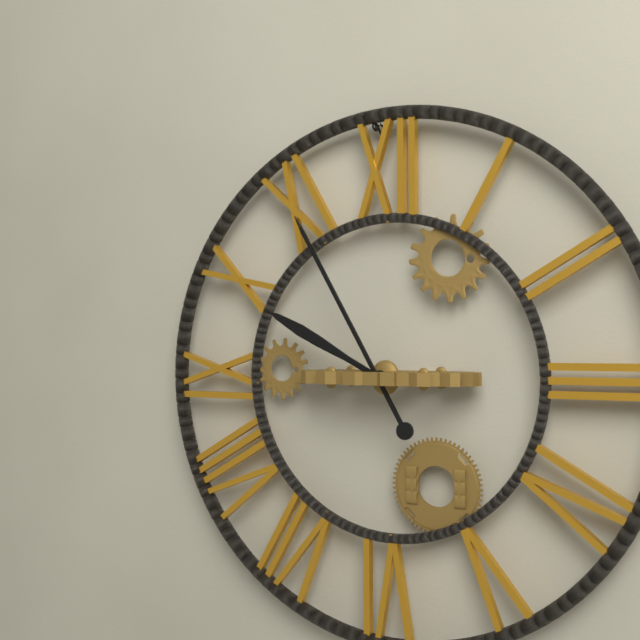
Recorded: h=9 m=55
